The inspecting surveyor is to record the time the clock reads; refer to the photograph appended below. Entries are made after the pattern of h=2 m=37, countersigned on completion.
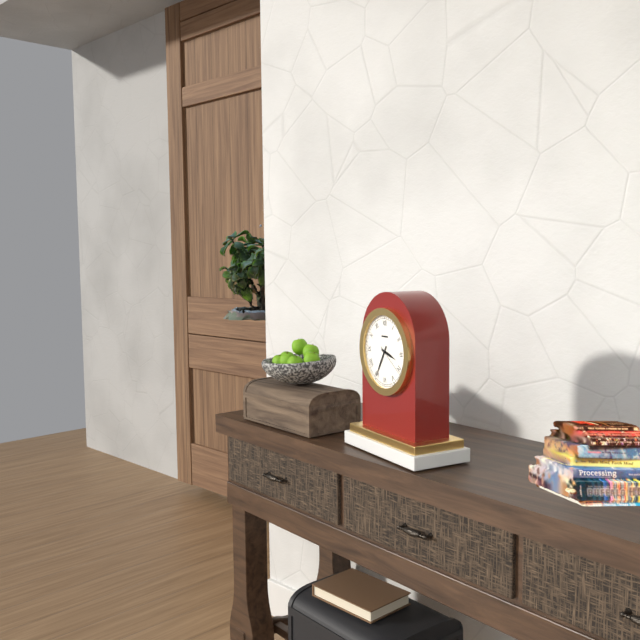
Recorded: h=3 m=35
